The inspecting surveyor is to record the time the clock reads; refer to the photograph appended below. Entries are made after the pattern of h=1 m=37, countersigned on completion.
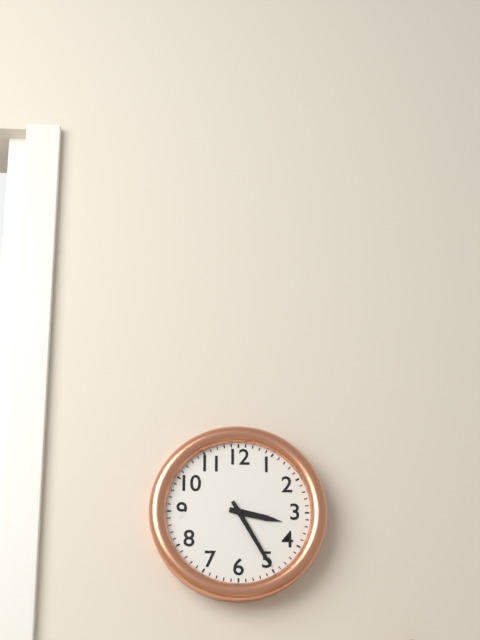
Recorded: h=3 m=25
